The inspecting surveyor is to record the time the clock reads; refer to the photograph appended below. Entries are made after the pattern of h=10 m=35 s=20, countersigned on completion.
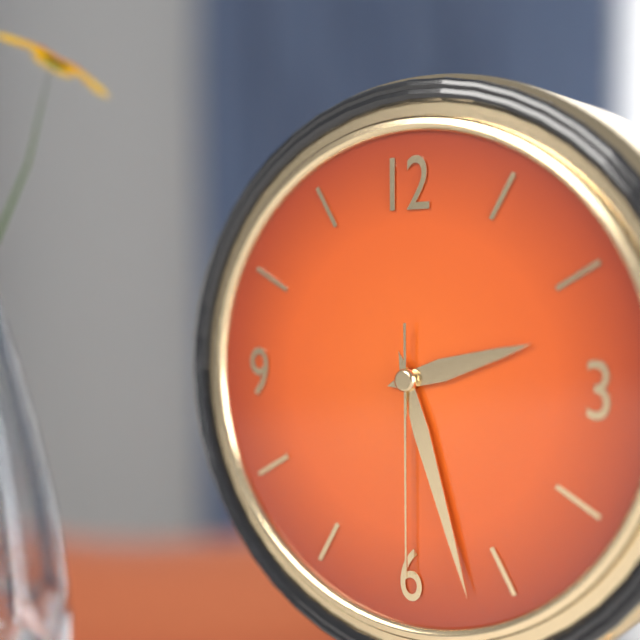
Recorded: h=2 m=27 s=30
